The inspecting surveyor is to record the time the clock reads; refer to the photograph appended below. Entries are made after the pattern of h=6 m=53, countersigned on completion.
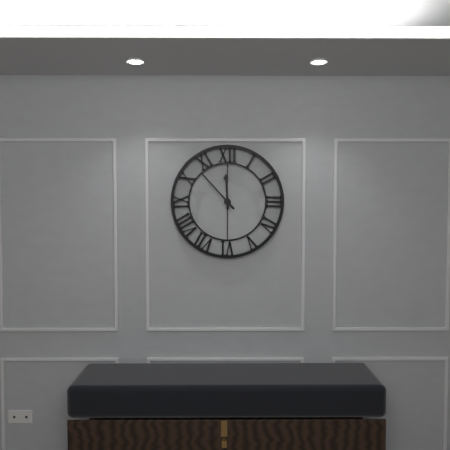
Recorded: h=11 m=53
